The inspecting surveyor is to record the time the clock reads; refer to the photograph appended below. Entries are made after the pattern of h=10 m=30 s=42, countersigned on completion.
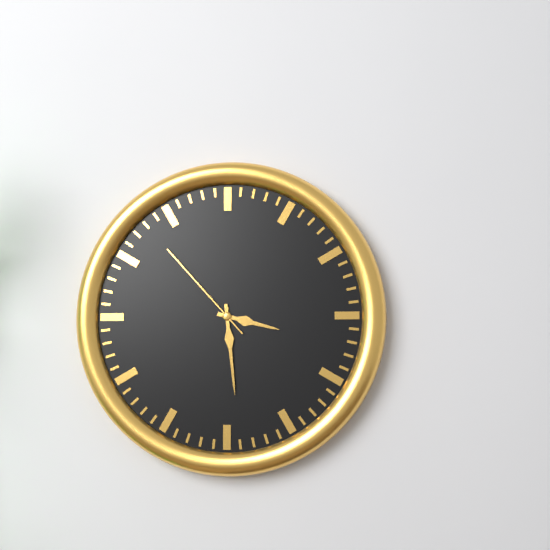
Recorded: h=3 m=29 s=53
